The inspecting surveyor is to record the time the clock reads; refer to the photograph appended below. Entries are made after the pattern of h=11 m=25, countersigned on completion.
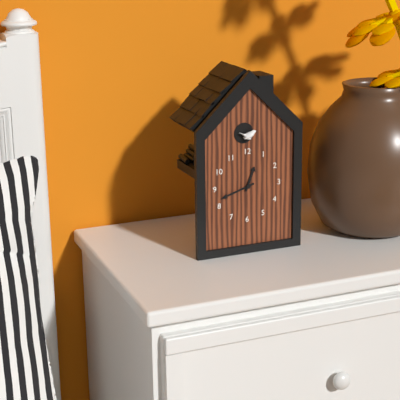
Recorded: h=12 m=42
